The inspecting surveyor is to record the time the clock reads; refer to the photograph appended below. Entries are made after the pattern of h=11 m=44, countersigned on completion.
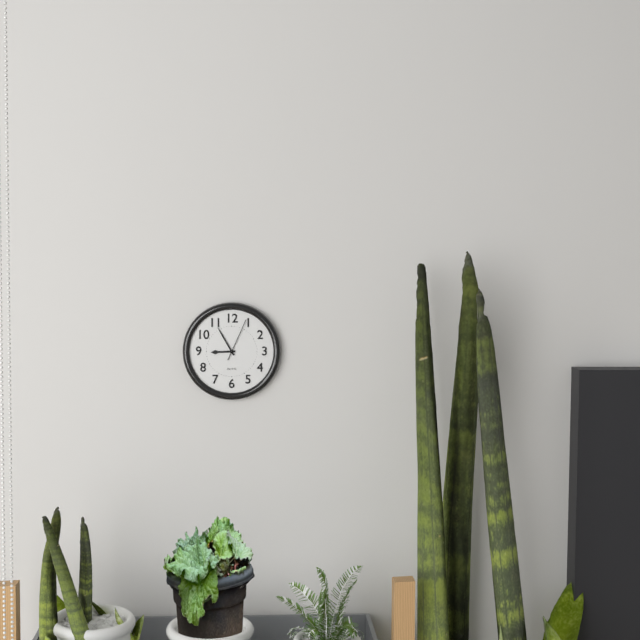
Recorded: h=8 m=55
